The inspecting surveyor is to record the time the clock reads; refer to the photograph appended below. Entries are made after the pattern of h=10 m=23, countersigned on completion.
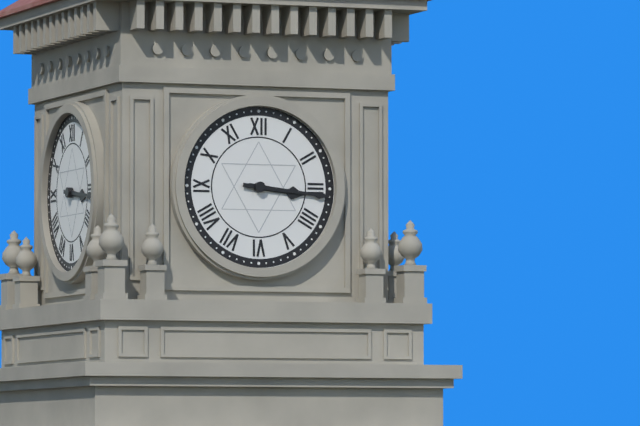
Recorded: h=3 m=16
